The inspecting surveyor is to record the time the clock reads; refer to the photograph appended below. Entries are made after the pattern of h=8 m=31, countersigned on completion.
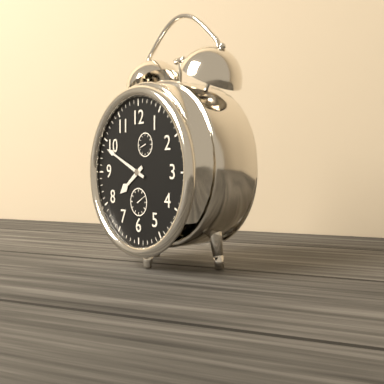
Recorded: h=7 m=49
